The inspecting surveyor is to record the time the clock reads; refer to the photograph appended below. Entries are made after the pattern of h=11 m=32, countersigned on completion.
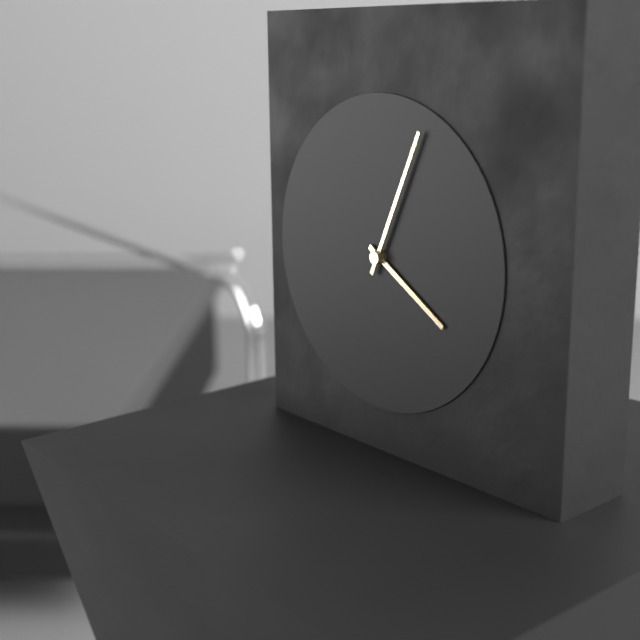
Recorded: h=4 m=4
